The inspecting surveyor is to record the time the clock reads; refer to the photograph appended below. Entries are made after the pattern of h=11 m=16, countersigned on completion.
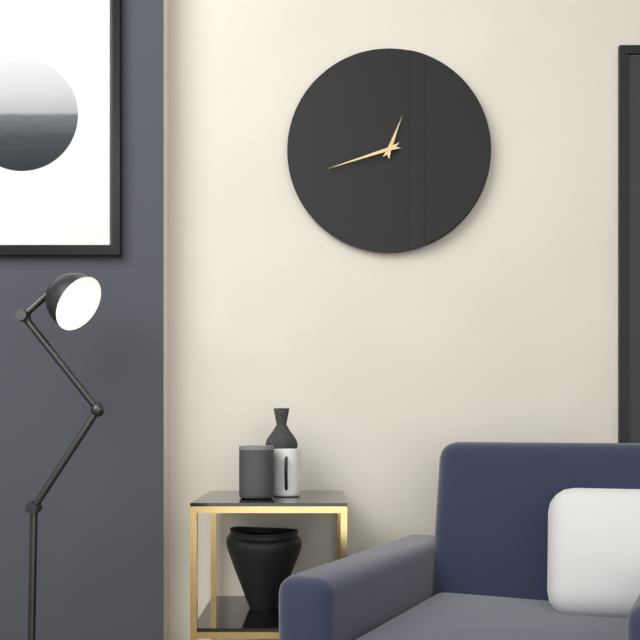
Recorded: h=12 m=42
